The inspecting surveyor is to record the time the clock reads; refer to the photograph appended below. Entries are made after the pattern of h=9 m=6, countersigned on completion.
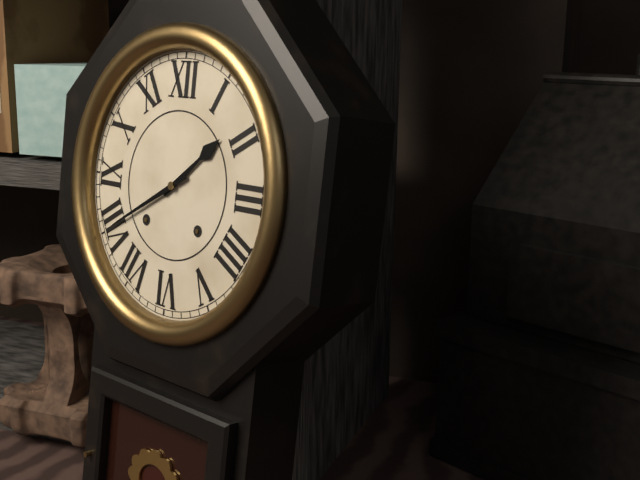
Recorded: h=1 m=40
